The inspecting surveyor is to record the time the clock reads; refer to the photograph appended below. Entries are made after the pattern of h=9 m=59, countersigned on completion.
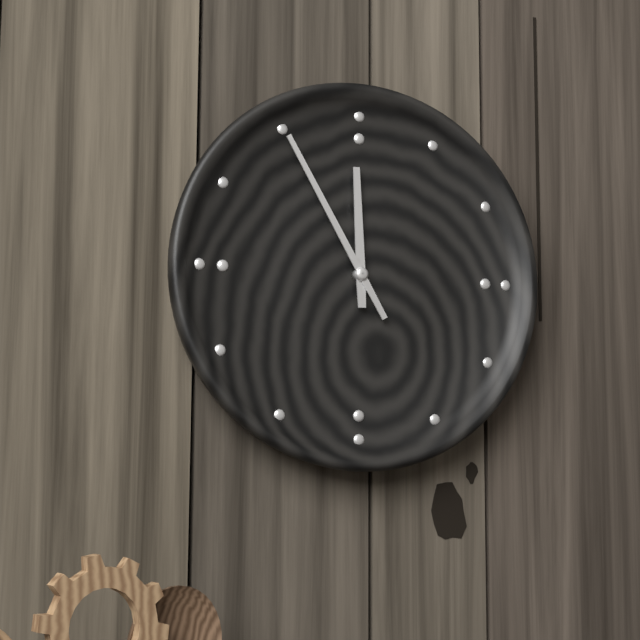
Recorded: h=11 m=55
